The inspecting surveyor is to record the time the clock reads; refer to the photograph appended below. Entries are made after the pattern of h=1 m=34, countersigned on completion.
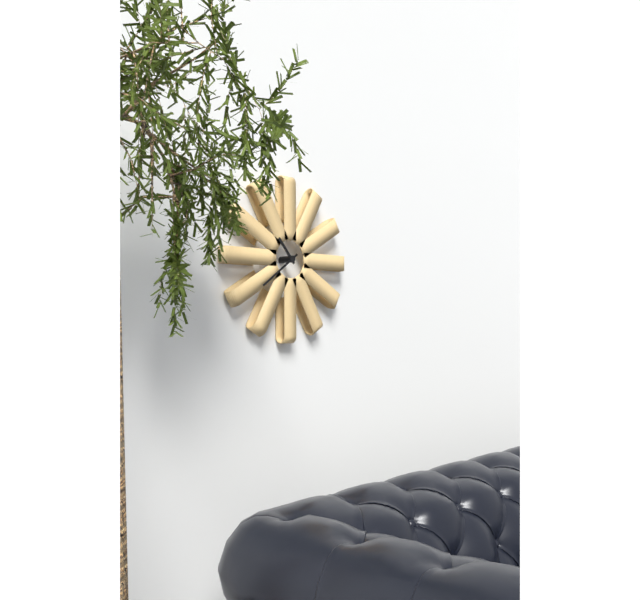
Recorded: h=10 m=39
